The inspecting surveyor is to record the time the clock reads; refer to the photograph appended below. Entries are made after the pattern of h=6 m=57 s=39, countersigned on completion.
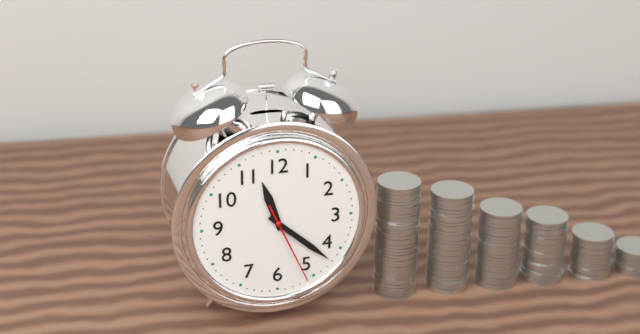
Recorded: h=11 m=22 s=26
